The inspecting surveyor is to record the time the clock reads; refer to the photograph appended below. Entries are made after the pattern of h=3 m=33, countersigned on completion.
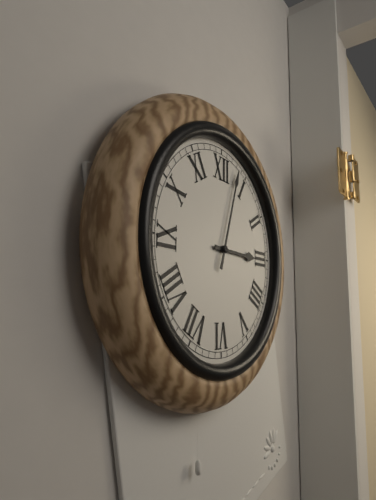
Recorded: h=3 m=3
